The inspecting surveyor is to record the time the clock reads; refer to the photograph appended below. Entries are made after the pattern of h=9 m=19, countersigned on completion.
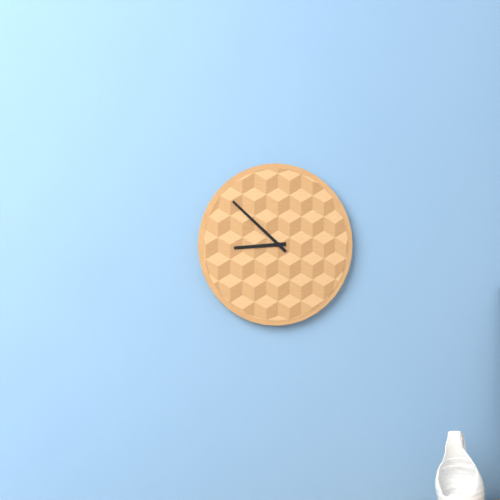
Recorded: h=8 m=52
